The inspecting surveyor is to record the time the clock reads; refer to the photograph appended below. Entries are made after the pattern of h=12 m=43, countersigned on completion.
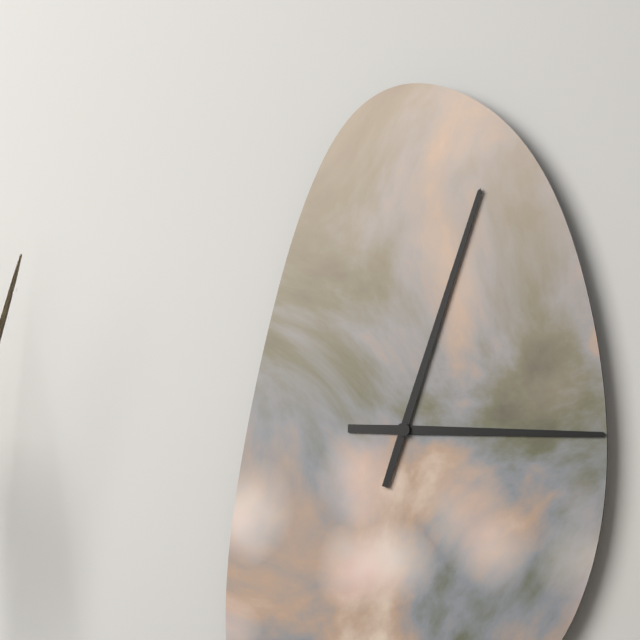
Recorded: h=3 m=3
